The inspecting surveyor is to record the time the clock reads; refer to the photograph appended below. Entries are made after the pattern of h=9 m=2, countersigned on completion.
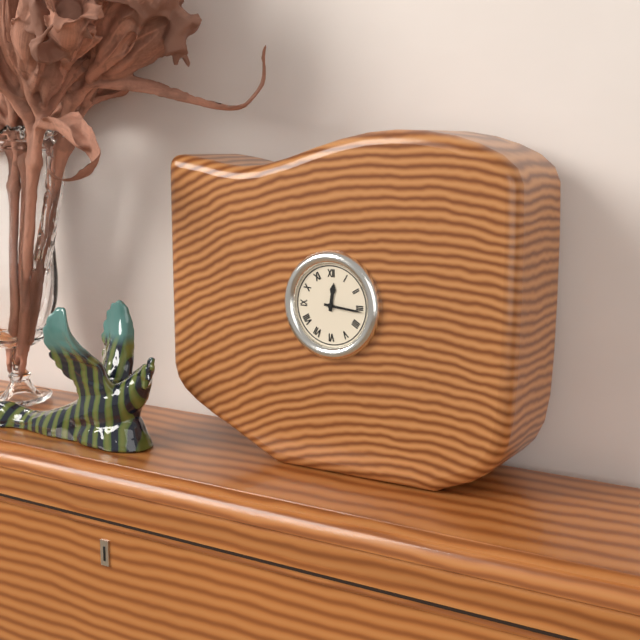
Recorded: h=12 m=16
